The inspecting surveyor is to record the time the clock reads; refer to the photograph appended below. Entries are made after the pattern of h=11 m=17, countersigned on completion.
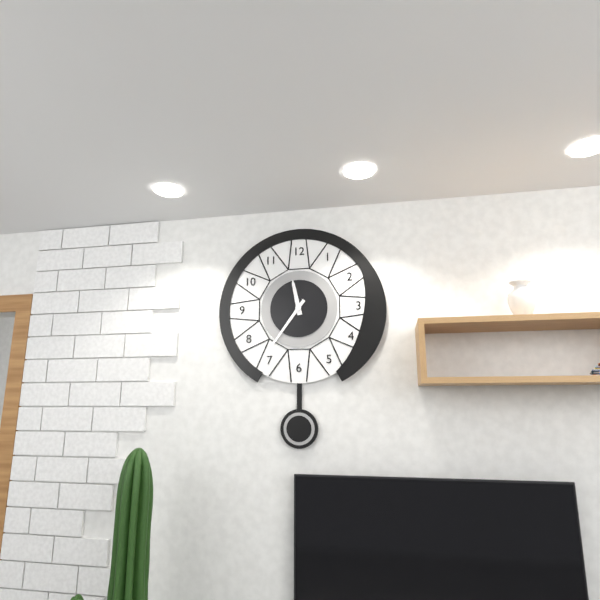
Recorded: h=11 m=36
